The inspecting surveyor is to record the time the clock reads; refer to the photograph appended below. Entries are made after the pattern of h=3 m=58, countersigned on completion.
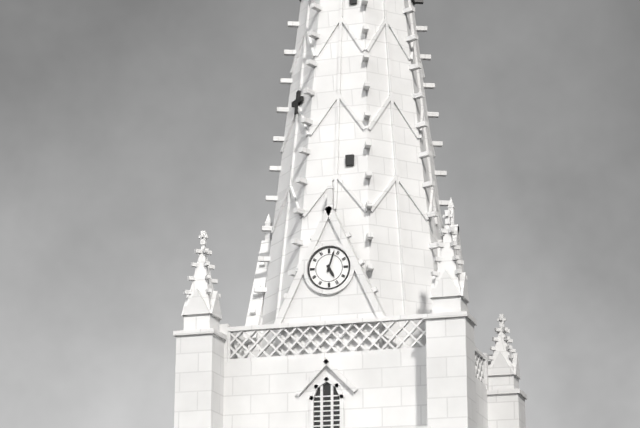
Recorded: h=5 m=3
